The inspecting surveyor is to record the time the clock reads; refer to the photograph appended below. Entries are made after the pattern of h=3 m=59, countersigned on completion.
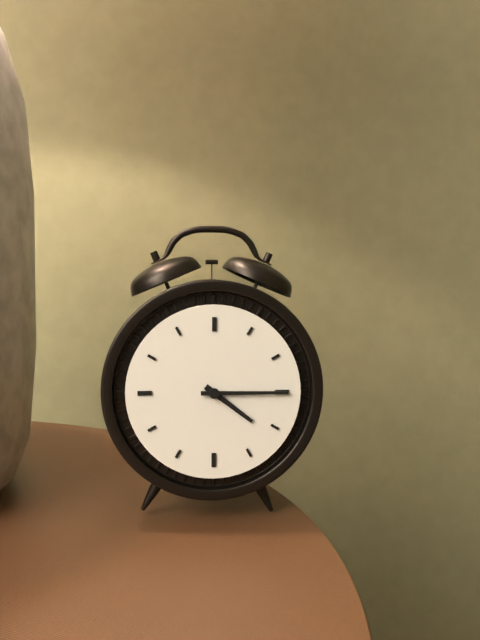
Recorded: h=4 m=15
